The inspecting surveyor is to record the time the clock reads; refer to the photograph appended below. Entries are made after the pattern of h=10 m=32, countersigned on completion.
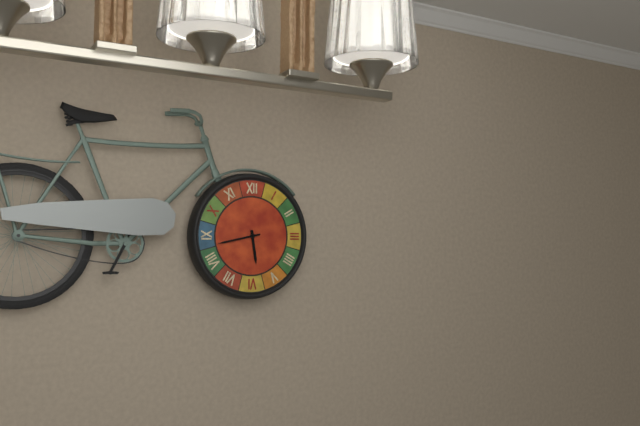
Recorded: h=5 m=43
